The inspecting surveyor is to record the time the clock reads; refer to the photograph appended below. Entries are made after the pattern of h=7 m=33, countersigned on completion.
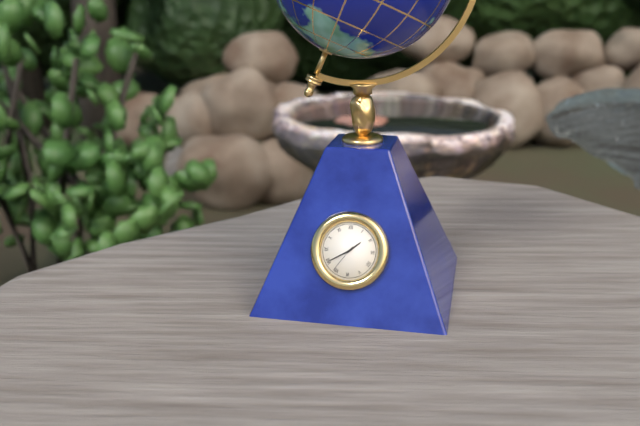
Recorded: h=1 m=40
